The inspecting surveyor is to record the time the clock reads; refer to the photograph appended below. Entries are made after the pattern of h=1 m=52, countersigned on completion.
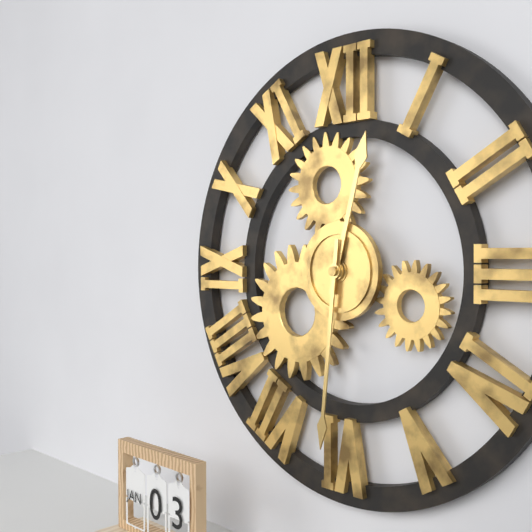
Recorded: h=12 m=31
